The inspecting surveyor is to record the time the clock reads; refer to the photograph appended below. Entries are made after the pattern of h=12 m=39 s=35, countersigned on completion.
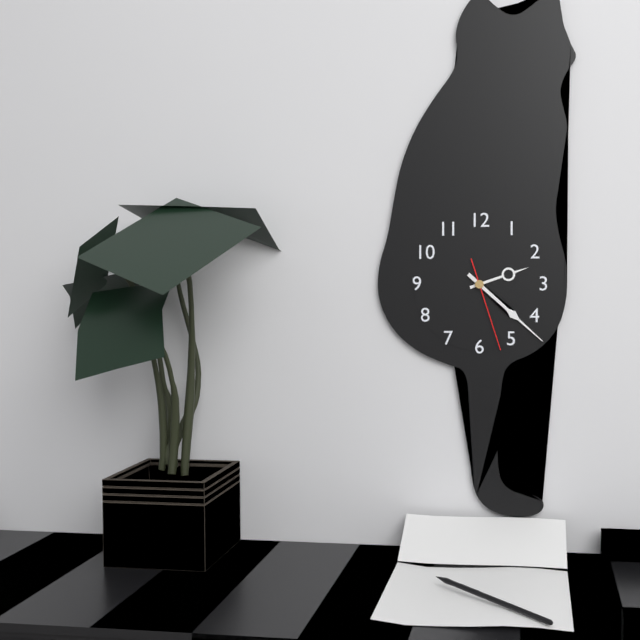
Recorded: h=2 m=22 s=27
